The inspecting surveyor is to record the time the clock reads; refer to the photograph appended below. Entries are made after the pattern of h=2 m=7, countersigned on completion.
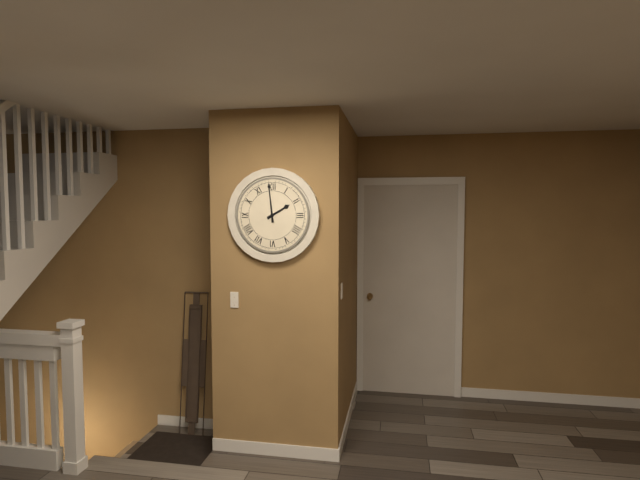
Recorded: h=1 m=59
